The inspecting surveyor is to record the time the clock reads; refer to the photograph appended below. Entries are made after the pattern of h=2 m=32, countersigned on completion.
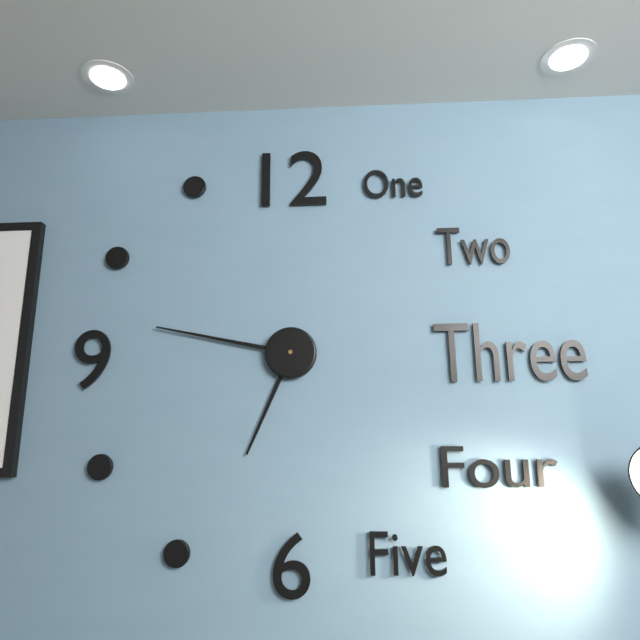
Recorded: h=6 m=47
